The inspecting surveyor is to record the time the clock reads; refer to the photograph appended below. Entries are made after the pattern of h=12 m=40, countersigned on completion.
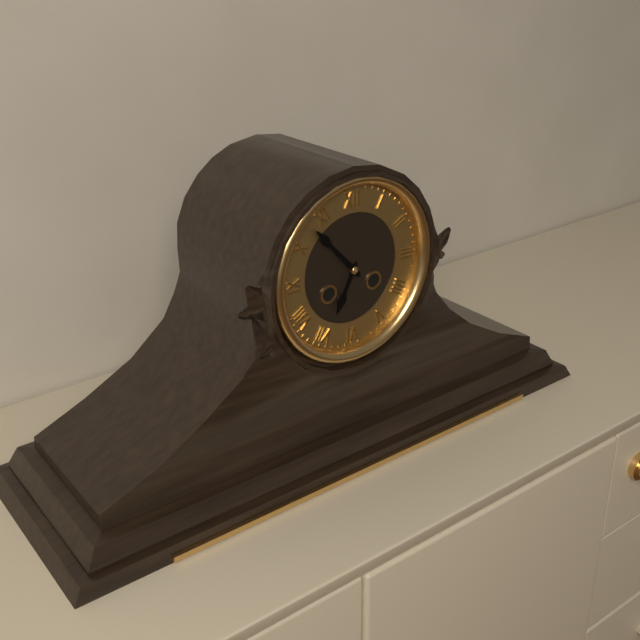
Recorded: h=6 m=53
